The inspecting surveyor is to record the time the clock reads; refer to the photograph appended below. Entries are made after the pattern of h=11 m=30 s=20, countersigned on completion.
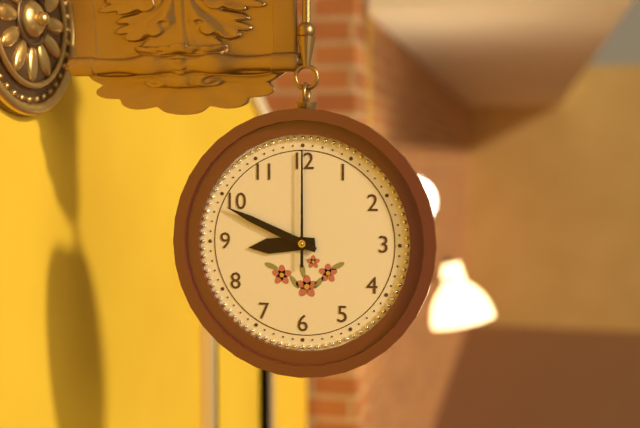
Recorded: h=8 m=49 s=0
